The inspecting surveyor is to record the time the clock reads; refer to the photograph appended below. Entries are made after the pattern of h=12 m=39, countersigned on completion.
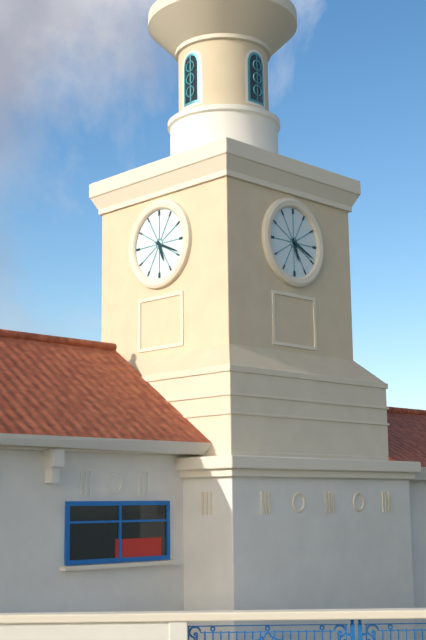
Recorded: h=5 m=19
